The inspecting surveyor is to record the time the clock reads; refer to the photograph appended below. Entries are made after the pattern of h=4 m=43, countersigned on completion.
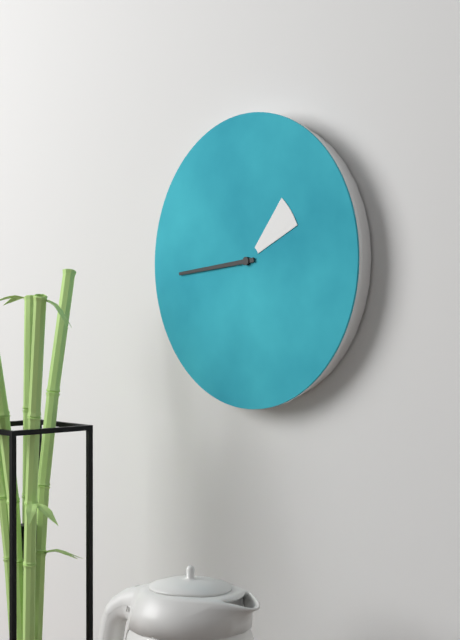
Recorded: h=1 m=44
